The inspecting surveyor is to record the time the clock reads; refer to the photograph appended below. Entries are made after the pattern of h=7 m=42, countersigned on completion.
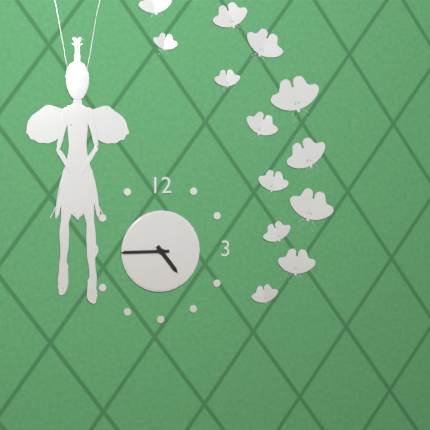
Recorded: h=4 m=45
